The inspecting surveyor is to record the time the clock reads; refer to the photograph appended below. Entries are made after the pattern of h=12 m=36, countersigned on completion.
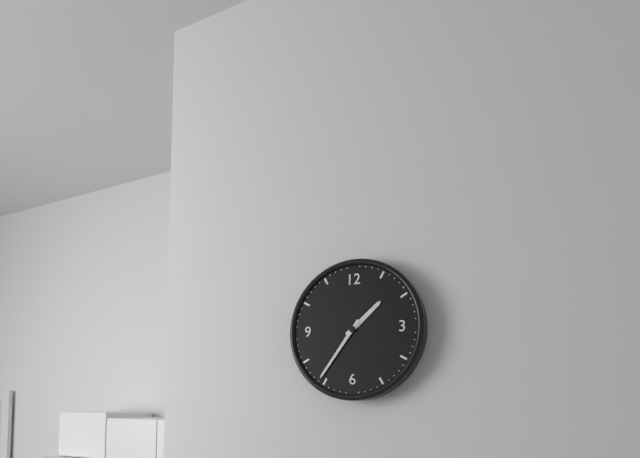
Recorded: h=1 m=36
